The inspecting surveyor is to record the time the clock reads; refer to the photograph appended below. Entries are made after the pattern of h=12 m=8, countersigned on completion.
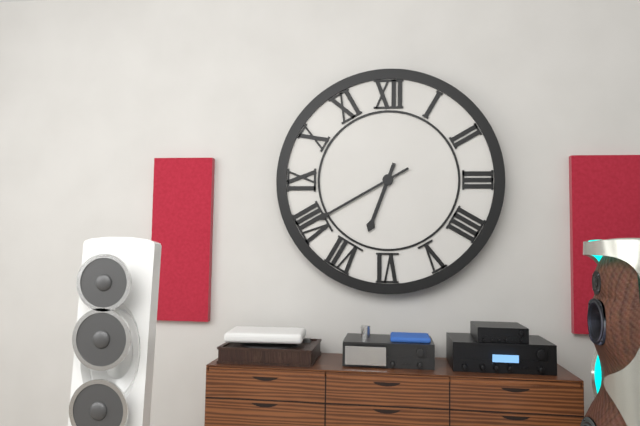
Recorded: h=6 m=40
